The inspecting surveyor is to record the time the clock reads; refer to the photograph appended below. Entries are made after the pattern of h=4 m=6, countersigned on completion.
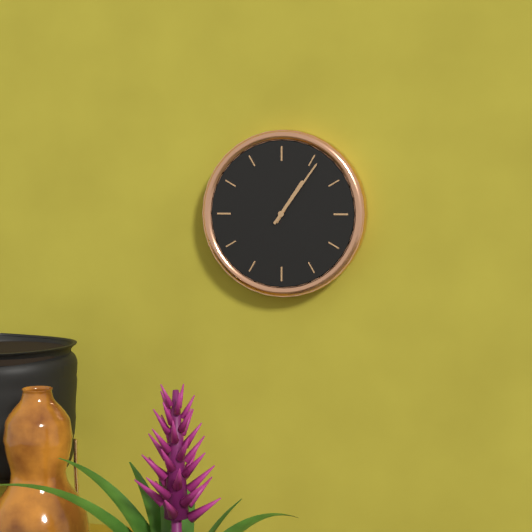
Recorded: h=1 m=6
